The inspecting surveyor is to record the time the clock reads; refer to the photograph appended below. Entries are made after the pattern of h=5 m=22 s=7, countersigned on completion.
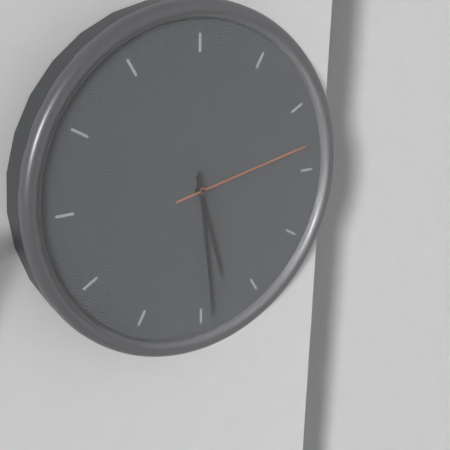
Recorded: h=5 m=29 s=13
